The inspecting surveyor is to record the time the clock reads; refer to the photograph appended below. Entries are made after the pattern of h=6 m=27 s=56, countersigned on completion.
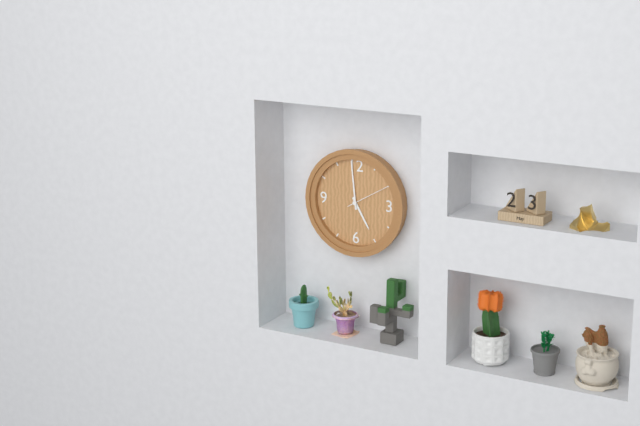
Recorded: h=4 m=59 s=10
